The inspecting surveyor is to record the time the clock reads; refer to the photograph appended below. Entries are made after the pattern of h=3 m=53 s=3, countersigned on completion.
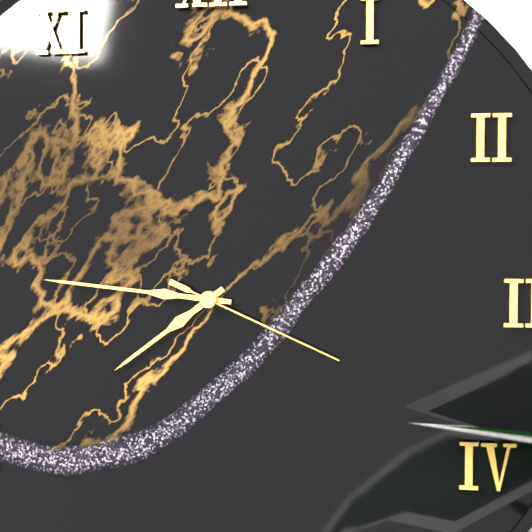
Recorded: h=7 m=46 s=19
